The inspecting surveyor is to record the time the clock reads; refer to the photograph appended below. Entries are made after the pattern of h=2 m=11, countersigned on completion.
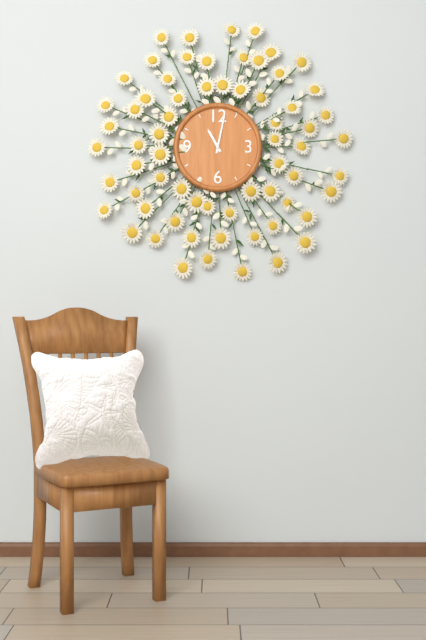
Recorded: h=11 m=2
